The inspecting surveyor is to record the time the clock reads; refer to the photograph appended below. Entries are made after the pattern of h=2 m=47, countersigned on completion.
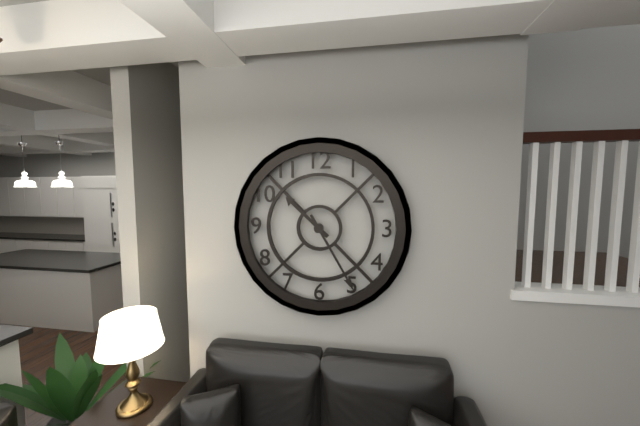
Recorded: h=10 m=25
